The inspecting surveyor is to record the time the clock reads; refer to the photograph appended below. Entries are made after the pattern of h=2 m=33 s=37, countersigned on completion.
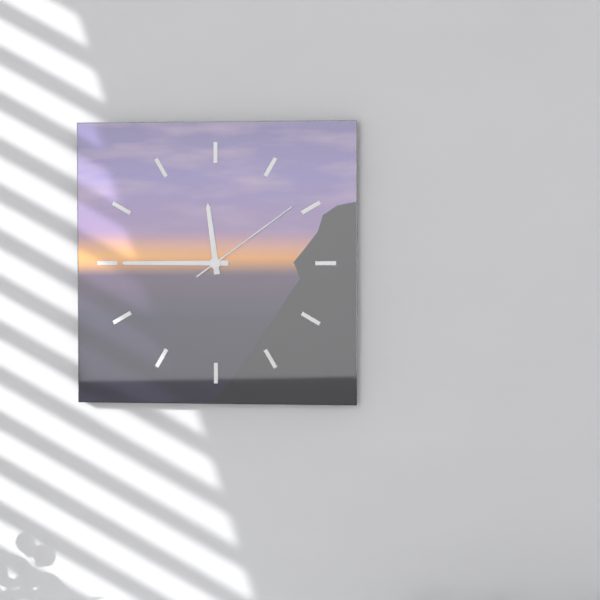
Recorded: h=11 m=45 s=9
